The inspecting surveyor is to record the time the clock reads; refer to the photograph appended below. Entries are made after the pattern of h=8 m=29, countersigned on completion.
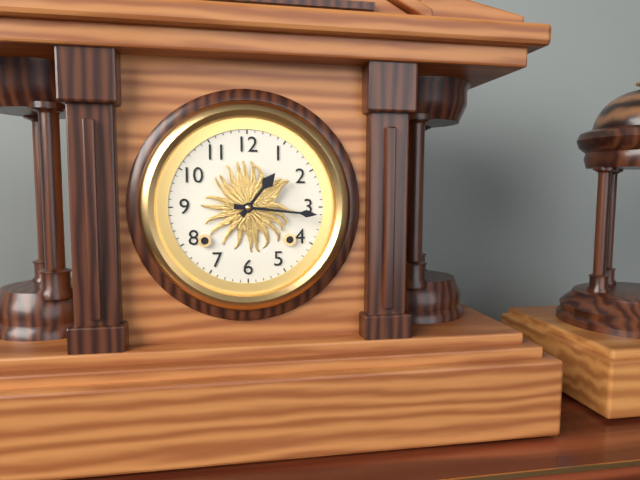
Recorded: h=1 m=16
